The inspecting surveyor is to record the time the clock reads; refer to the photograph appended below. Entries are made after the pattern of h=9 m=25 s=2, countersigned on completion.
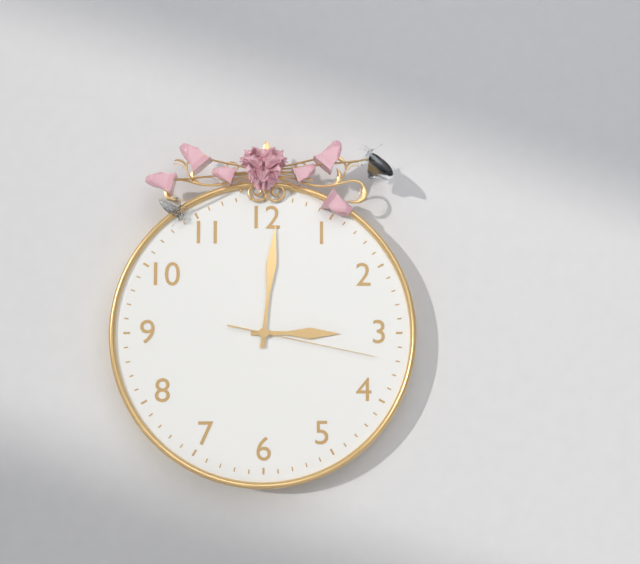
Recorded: h=3 m=1 s=17
